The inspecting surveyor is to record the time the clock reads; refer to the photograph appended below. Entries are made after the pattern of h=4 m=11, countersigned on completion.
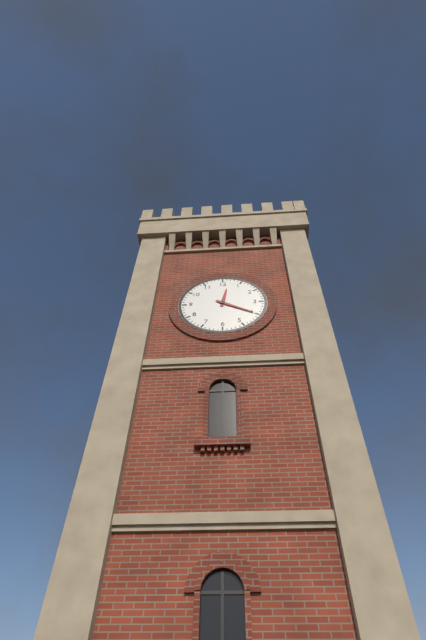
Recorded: h=12 m=20
